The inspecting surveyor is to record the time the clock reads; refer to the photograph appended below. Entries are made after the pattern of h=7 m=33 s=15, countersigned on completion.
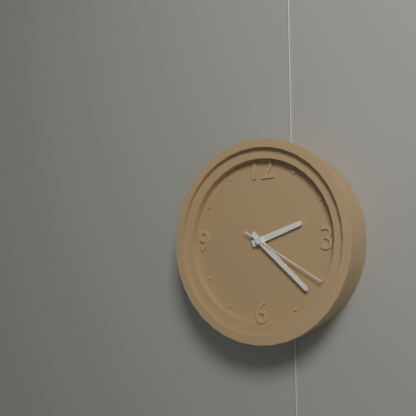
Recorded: h=2 m=22 s=20
